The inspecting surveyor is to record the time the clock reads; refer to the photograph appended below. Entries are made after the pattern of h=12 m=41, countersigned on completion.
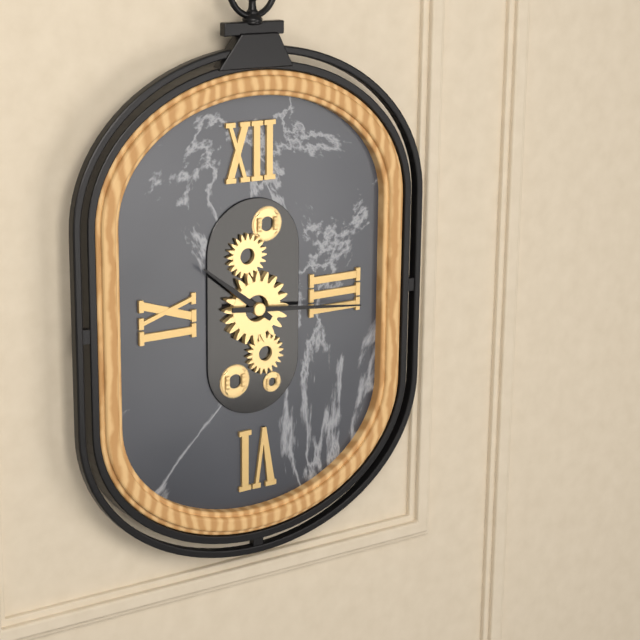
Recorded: h=10 m=16
